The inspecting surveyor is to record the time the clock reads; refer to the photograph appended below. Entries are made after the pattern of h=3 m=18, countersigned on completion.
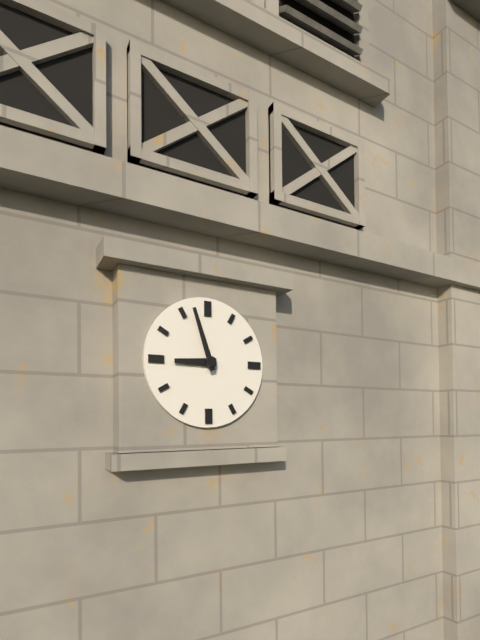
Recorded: h=8 m=57
